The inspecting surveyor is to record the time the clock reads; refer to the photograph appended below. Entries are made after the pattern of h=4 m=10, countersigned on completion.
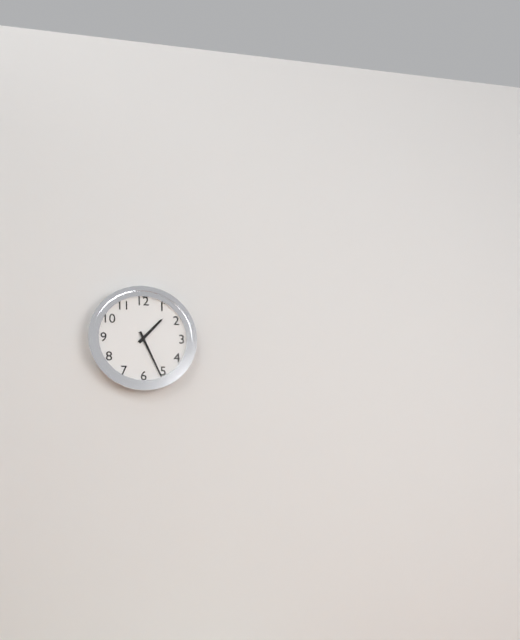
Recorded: h=1 m=26
